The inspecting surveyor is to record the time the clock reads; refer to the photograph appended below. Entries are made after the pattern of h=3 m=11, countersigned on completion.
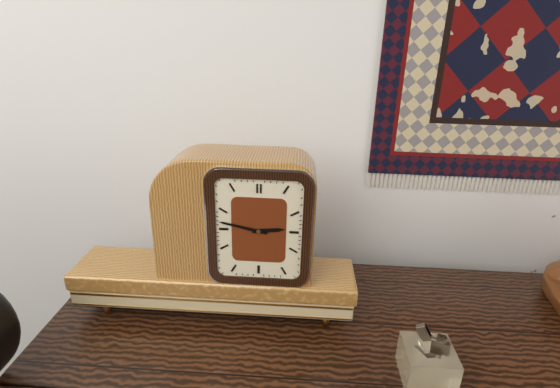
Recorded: h=2 m=47
